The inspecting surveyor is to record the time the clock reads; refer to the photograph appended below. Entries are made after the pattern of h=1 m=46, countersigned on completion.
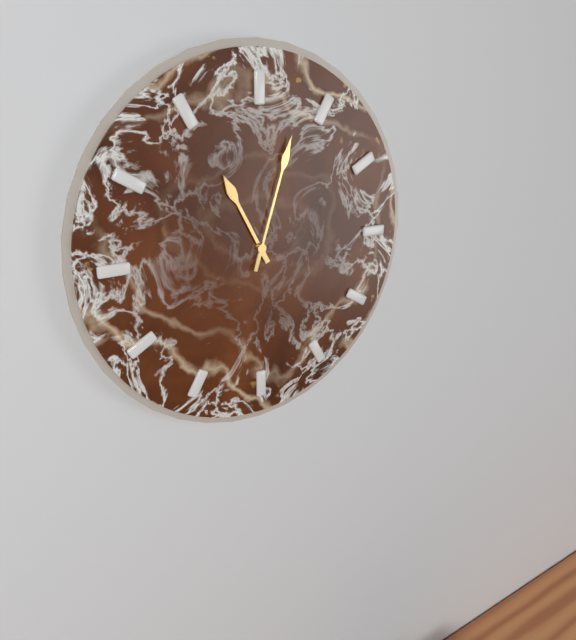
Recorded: h=11 m=3
